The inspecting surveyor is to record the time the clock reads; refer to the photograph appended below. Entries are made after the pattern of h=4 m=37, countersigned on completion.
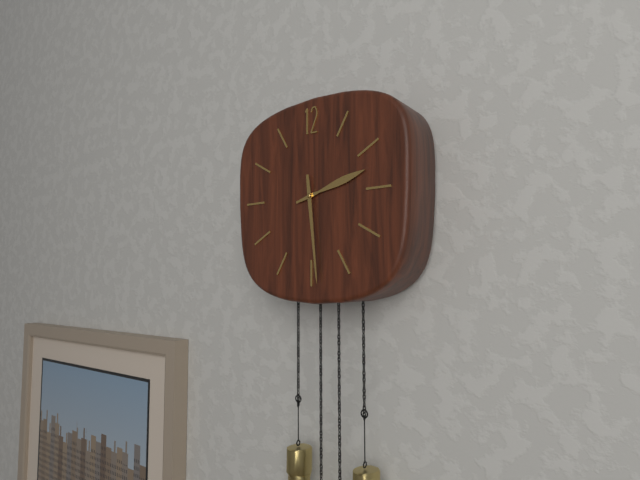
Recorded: h=2 m=29
